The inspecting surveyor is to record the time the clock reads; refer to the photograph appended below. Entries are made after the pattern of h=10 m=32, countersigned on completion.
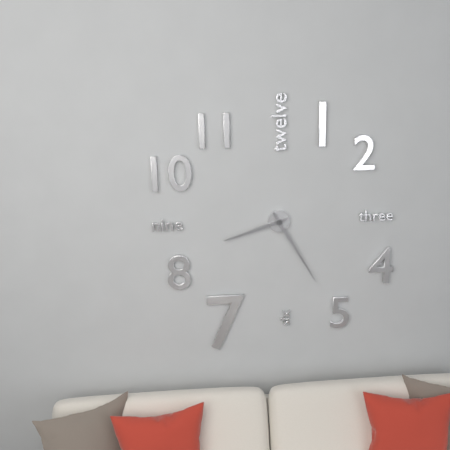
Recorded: h=8 m=25
